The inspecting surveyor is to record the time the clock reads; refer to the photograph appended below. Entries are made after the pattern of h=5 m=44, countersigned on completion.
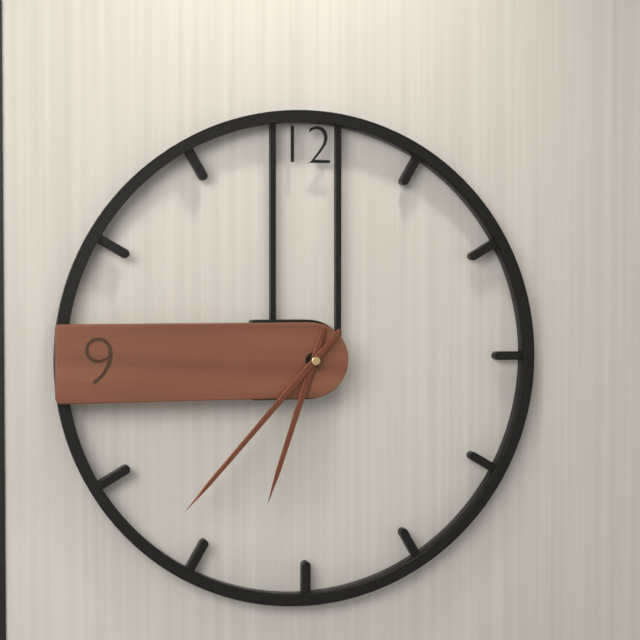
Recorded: h=6 m=37
